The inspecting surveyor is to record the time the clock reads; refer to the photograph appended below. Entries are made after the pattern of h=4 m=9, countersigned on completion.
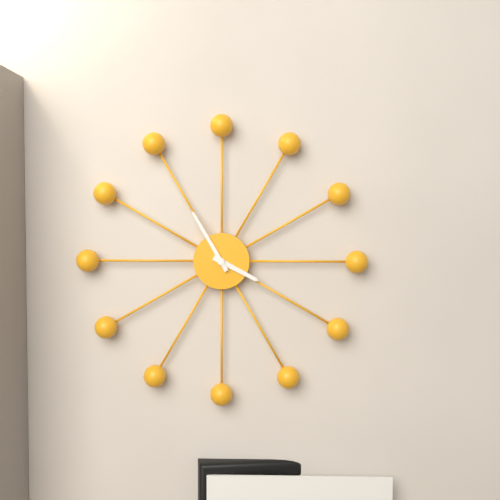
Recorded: h=3 m=55
